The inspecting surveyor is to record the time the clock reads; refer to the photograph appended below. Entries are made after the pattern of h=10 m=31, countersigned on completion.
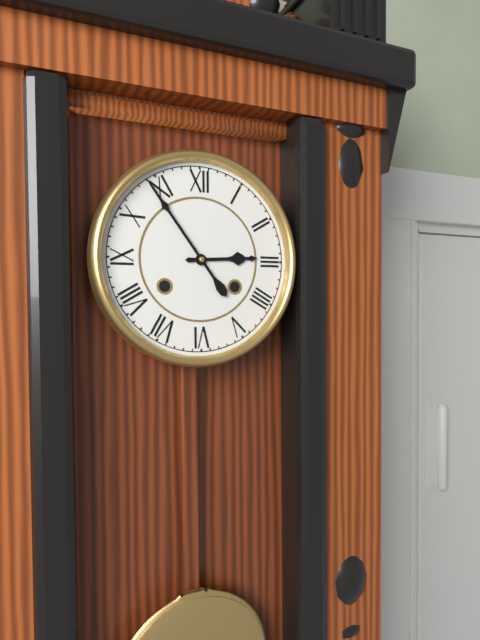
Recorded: h=2 m=54
